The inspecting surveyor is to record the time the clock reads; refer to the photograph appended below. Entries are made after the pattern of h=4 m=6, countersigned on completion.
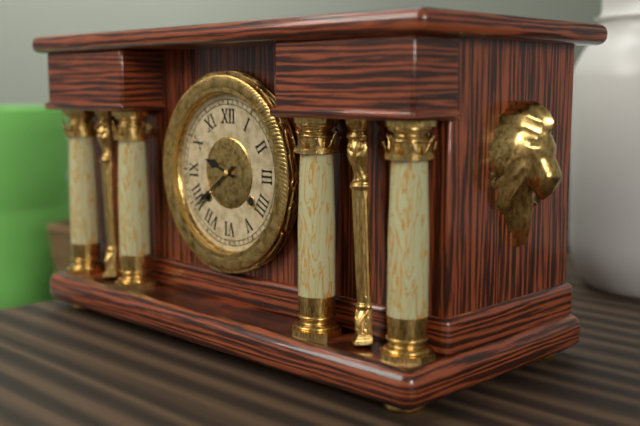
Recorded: h=9 m=39
